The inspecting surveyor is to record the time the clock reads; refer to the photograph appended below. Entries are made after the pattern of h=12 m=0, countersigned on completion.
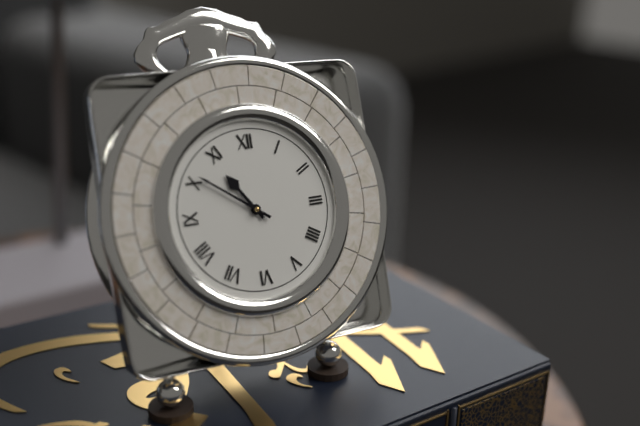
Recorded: h=10 m=51
